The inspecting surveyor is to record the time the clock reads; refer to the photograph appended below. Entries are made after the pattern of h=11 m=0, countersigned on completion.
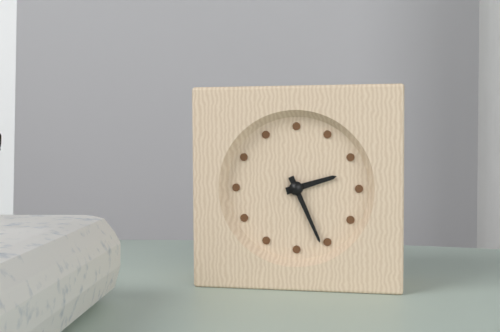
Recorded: h=2 m=26
